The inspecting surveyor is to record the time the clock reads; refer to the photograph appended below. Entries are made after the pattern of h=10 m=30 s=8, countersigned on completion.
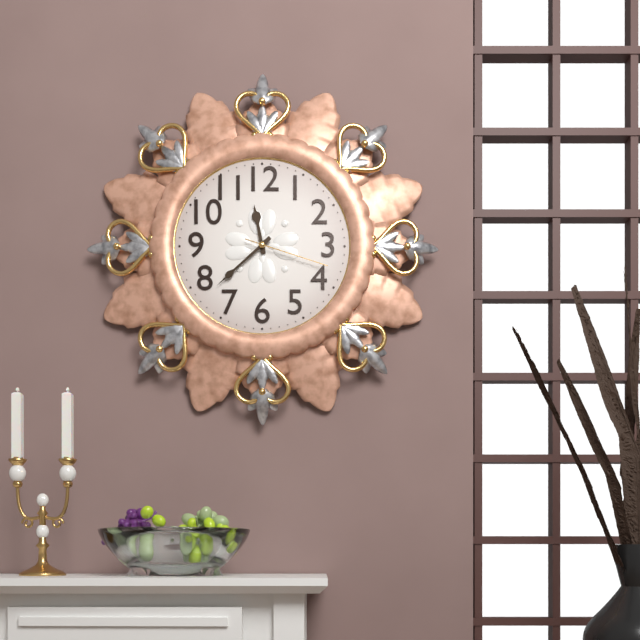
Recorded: h=11 m=38 s=18
